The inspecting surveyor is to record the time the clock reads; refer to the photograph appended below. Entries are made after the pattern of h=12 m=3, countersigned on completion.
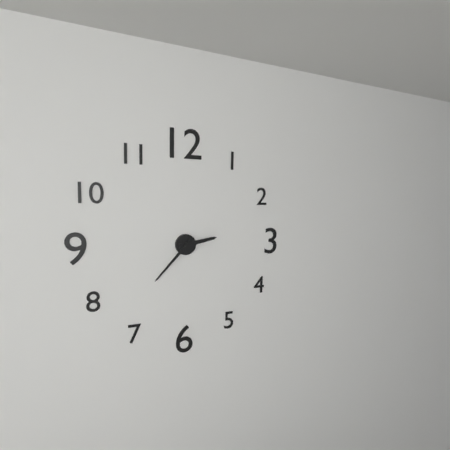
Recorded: h=2 m=37
